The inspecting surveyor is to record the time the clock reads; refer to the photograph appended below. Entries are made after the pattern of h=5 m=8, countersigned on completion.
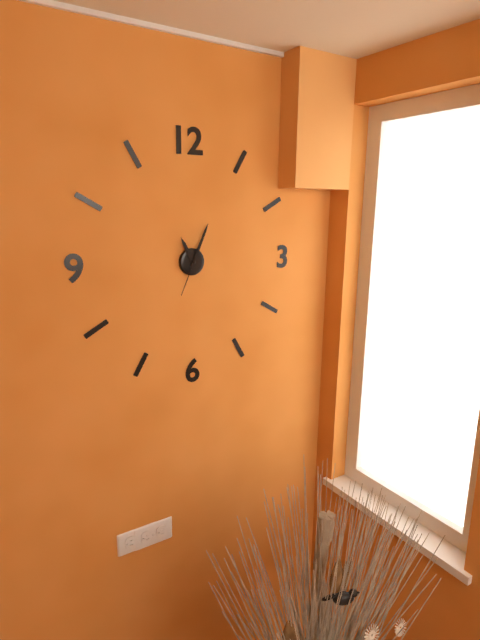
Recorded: h=11 m=4
